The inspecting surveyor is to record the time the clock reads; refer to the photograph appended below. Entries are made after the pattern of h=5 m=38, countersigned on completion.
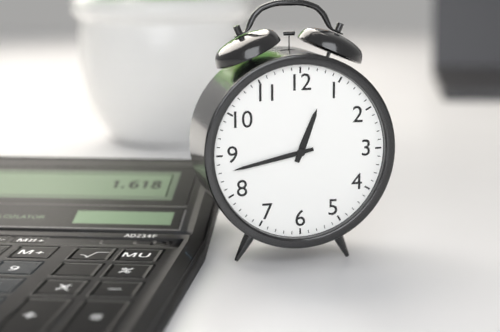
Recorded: h=12 m=43
